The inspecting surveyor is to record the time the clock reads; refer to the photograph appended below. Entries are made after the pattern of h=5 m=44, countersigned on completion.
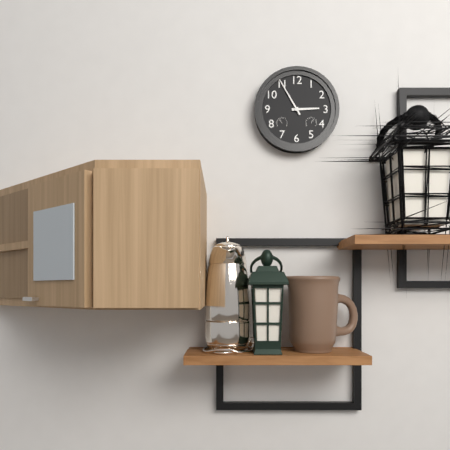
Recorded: h=2 m=55
